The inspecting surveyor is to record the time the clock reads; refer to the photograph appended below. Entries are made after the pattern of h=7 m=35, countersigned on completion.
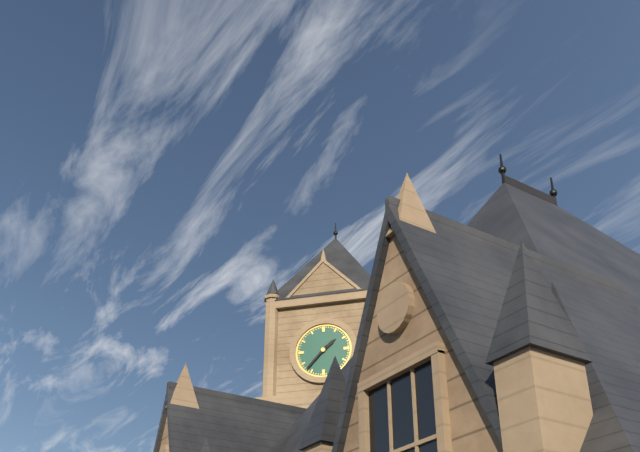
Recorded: h=1 m=37
